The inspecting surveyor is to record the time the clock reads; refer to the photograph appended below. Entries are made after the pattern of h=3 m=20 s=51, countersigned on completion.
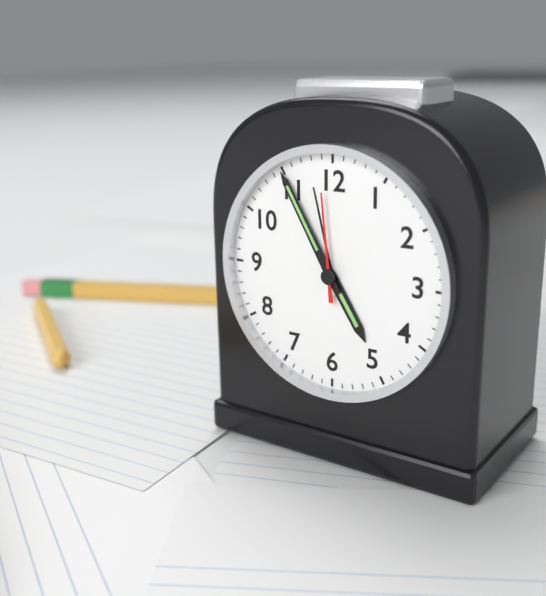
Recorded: h=4 m=55 s=59
